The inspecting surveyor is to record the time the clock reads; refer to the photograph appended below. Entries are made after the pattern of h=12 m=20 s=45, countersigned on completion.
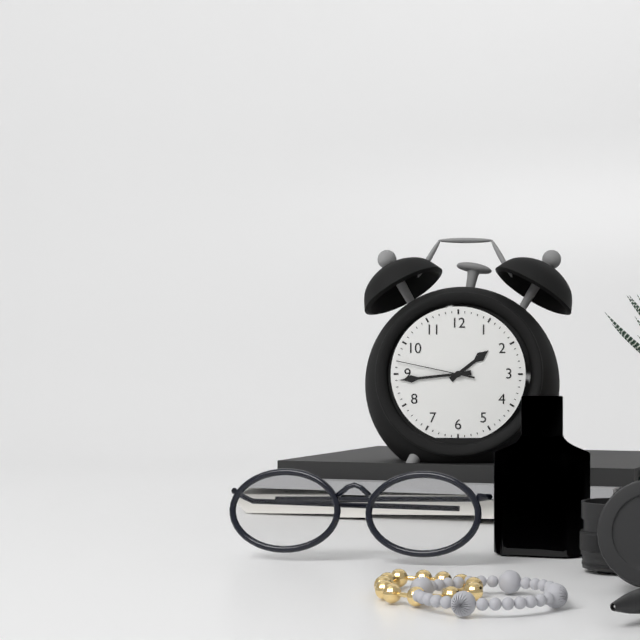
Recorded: h=1 m=44 s=47
